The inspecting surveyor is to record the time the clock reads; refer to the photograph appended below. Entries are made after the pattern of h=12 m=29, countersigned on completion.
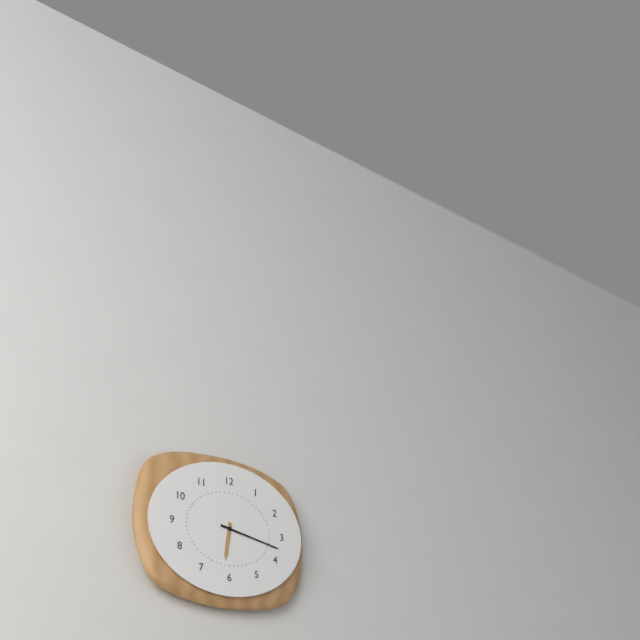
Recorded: h=6 m=17
